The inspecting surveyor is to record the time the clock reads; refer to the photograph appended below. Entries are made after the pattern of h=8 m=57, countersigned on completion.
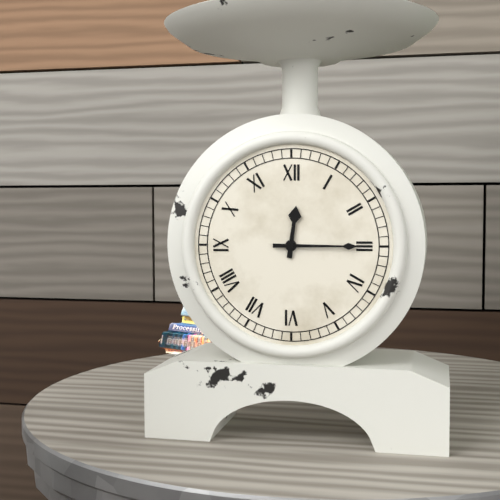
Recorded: h=12 m=15
